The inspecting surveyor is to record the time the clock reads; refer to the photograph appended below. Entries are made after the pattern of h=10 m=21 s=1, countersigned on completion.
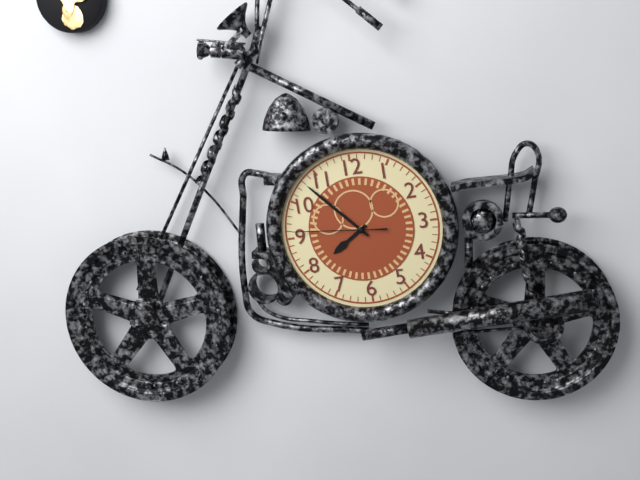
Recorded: h=7 m=53 s=46
